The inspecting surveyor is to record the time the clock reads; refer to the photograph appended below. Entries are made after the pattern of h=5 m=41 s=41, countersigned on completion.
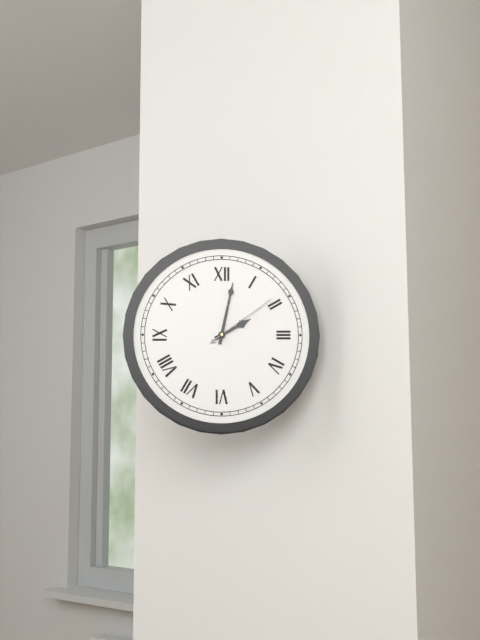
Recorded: h=2 m=2 s=9
